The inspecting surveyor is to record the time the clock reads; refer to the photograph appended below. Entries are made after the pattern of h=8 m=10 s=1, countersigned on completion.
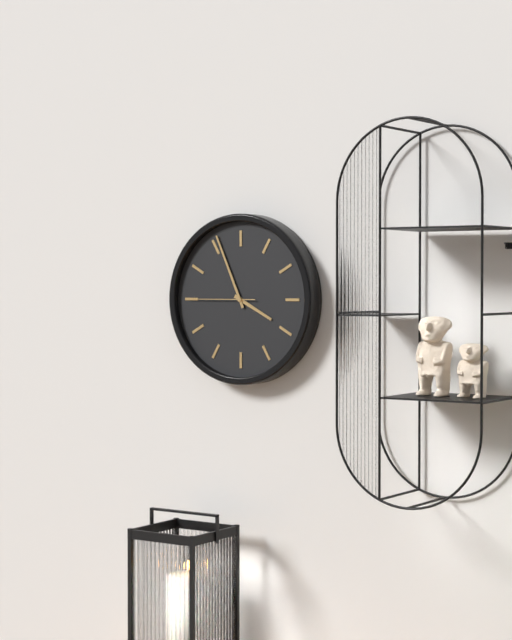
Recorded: h=3 m=56 s=45
